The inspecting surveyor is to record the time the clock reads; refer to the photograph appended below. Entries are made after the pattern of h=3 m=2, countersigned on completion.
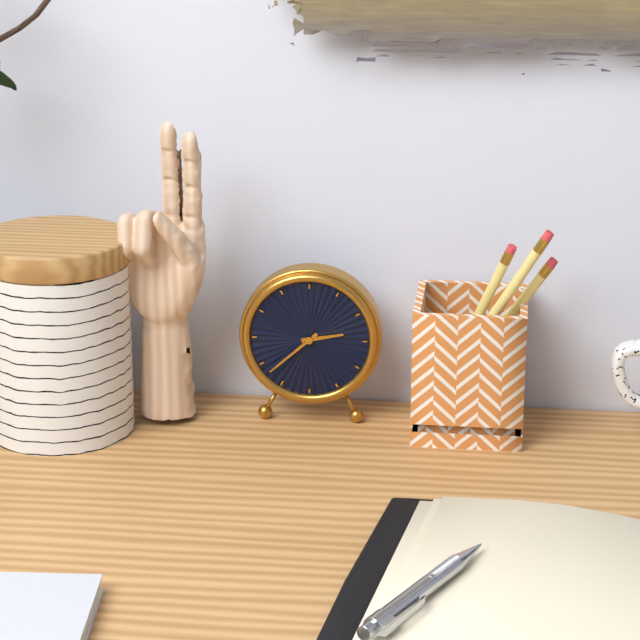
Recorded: h=2 m=38
